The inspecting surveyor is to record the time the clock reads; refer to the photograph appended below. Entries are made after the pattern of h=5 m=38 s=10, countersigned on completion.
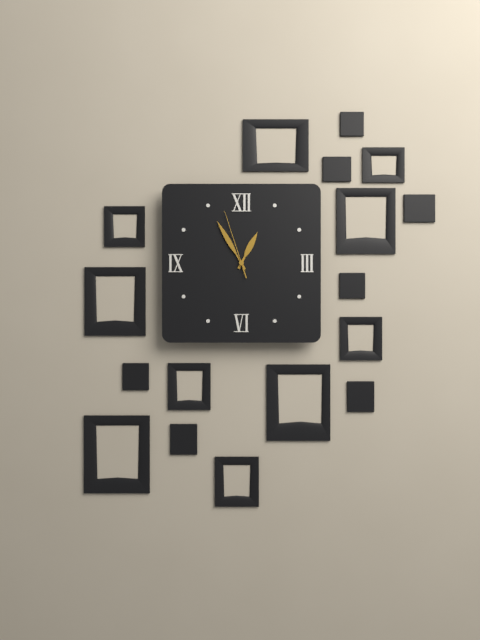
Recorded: h=12 m=55 s=57
